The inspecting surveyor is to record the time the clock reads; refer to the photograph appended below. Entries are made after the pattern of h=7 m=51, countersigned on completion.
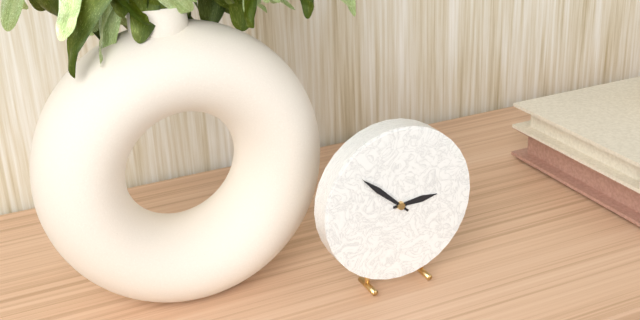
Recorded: h=2 m=52
